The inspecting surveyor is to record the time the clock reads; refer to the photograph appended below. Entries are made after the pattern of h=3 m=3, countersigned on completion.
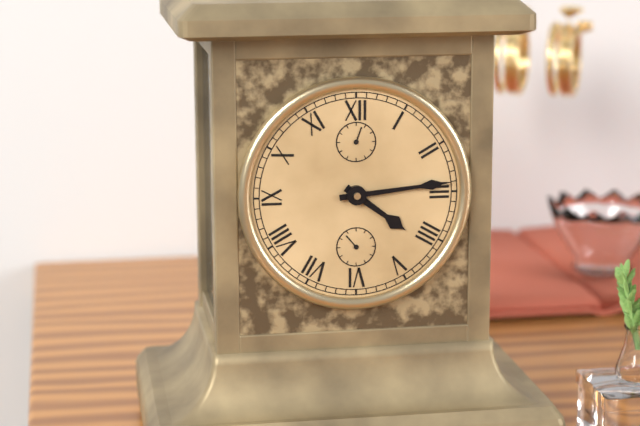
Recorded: h=4 m=14
